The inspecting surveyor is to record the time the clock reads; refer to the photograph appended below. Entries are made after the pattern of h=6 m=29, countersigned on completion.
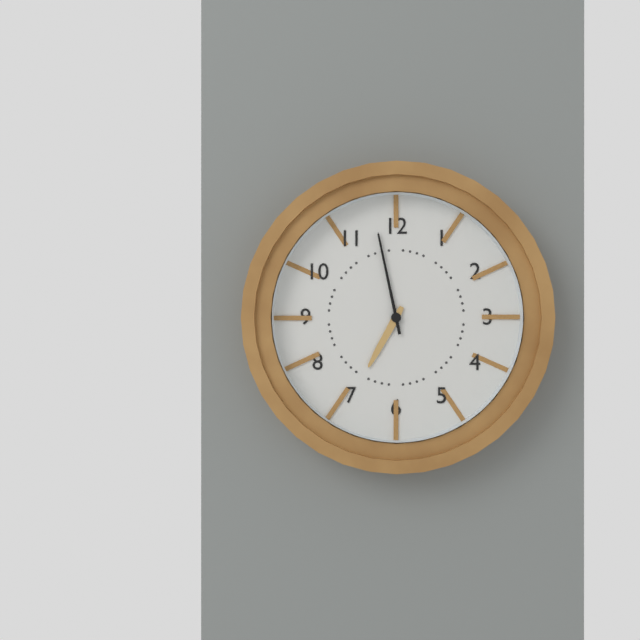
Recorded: h=6 m=58
